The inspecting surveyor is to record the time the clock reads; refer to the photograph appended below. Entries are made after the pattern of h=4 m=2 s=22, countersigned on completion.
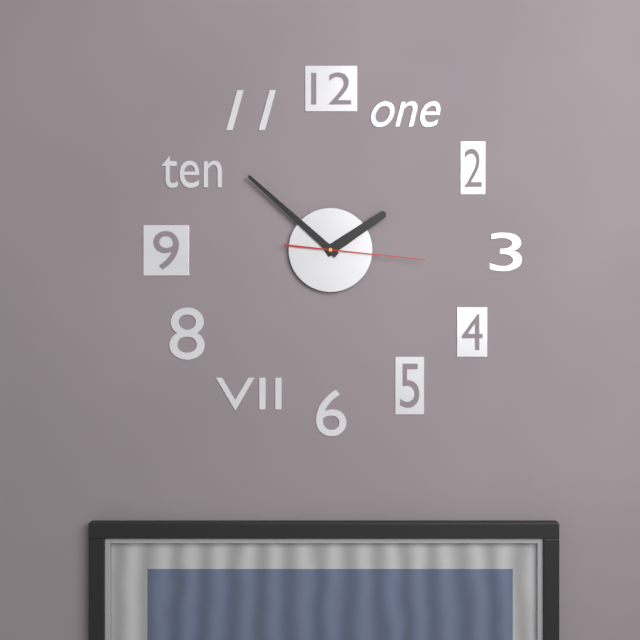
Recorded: h=1 m=52 s=16
